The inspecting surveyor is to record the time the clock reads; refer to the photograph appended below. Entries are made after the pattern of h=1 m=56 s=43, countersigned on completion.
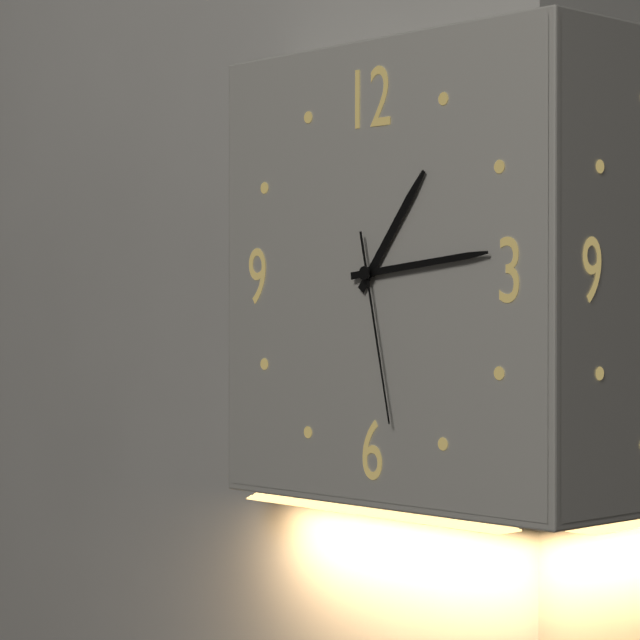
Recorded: h=1 m=14 s=28
